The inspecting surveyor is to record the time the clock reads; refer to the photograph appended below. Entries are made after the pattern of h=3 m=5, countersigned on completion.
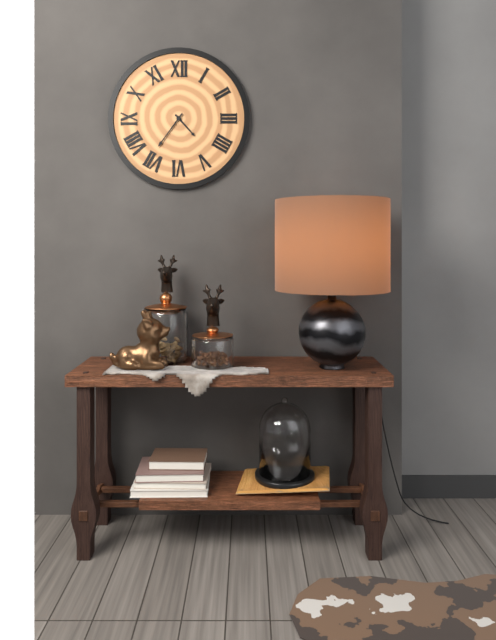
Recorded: h=4 m=36
